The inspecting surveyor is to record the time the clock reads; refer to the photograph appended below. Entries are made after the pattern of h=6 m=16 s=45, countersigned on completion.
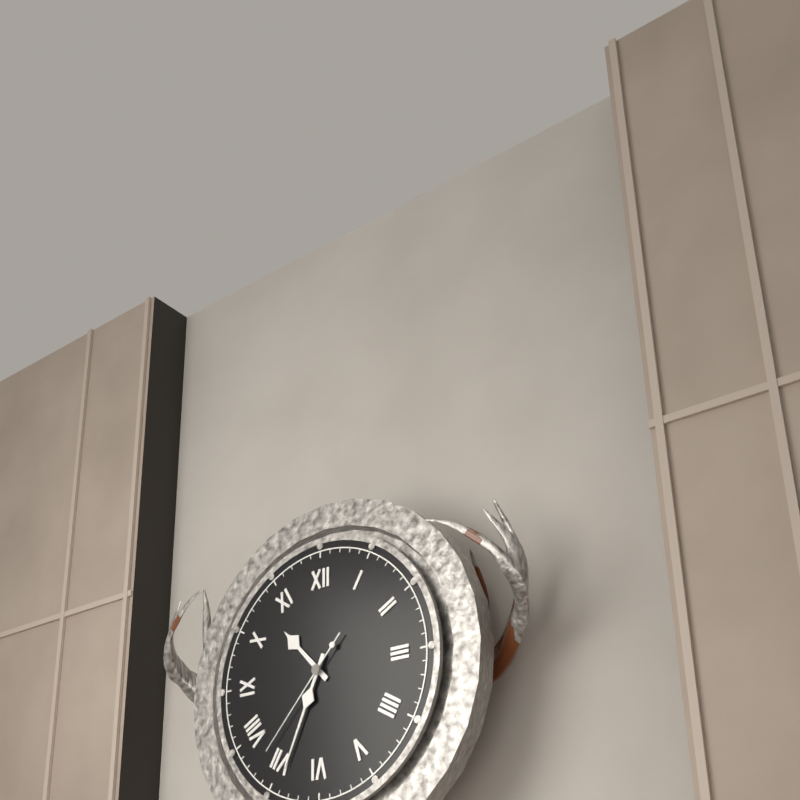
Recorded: h=10 m=34 s=37
